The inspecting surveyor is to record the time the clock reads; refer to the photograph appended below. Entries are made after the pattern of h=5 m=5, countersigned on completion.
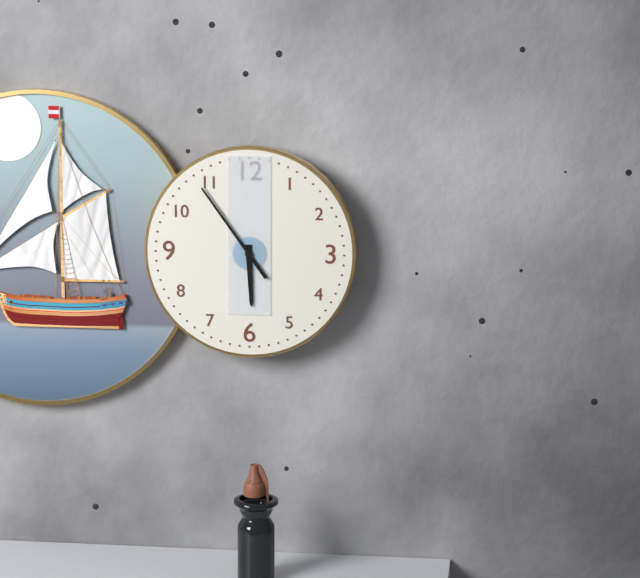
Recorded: h=5 m=54
